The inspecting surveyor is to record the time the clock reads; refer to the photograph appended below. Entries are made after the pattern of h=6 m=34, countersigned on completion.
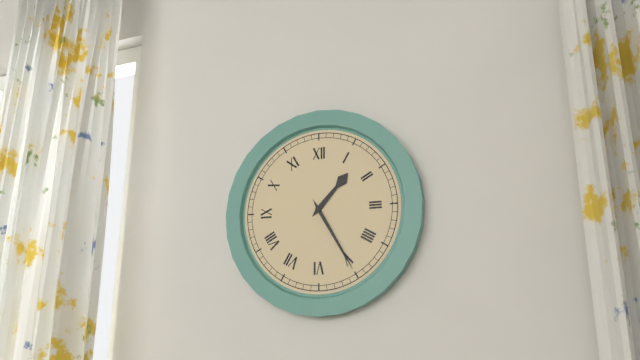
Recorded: h=1 m=25
